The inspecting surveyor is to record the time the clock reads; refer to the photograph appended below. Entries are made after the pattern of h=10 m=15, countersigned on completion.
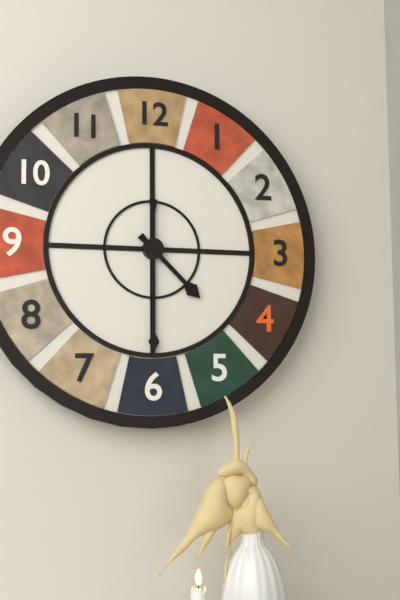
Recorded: h=4 m=30
